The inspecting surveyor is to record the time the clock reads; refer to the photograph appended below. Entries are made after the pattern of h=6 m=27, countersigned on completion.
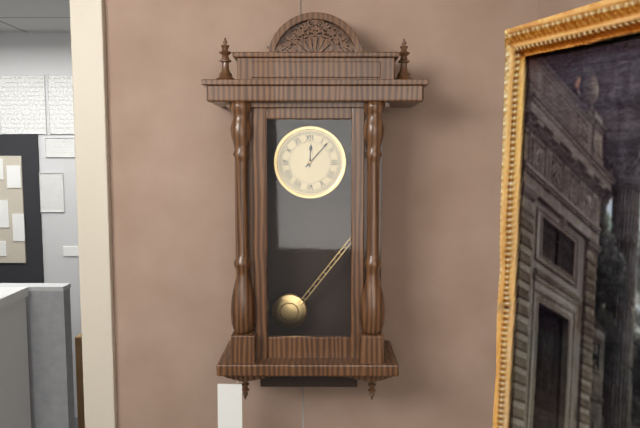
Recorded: h=12 m=7
